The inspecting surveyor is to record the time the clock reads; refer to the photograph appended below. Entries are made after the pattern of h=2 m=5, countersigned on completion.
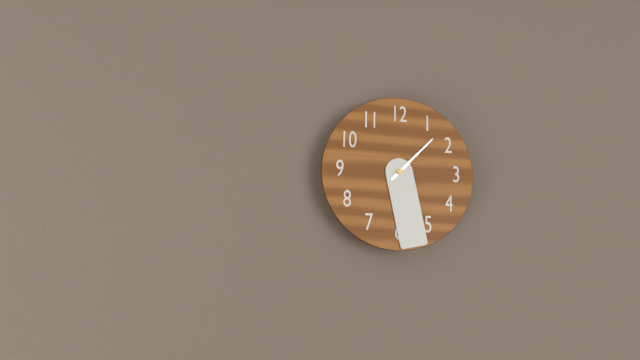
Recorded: h=1 m=28
